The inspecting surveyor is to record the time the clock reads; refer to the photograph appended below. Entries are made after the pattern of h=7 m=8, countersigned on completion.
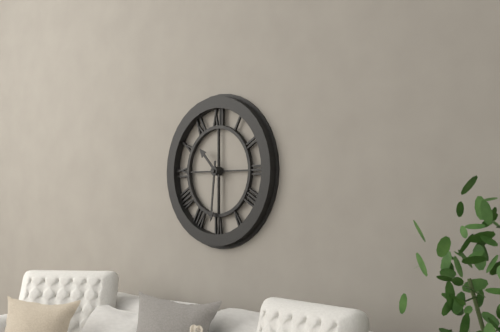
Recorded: h=10 m=31
